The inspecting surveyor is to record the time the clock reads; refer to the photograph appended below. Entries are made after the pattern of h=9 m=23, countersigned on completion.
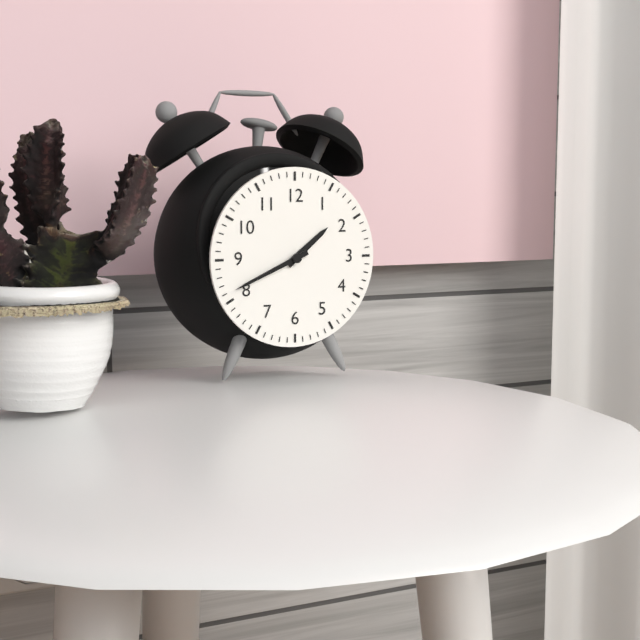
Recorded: h=1 m=41
